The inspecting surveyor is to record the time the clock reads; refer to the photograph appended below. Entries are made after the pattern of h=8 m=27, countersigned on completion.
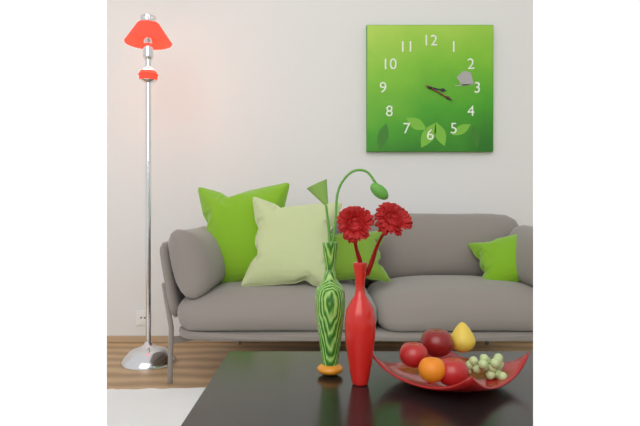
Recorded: h=3 m=20
